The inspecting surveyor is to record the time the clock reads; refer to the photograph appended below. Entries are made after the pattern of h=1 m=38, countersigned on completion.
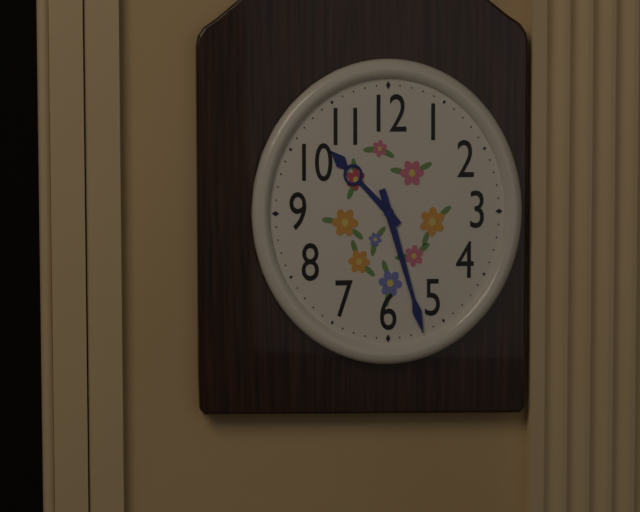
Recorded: h=10 m=27
